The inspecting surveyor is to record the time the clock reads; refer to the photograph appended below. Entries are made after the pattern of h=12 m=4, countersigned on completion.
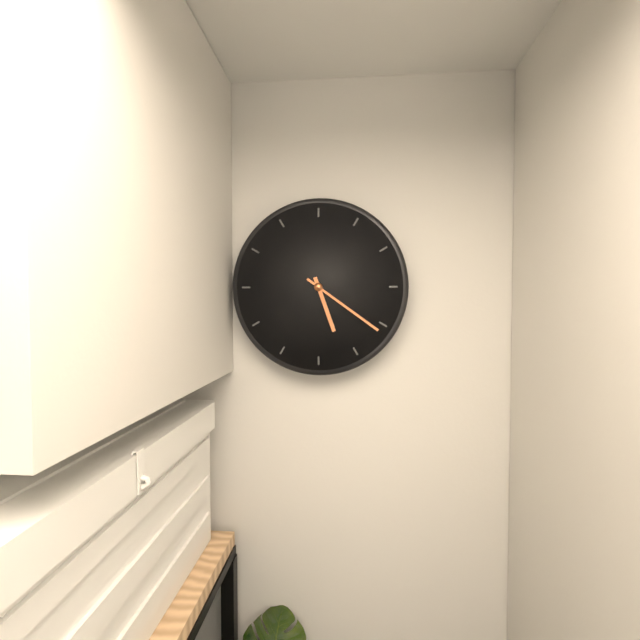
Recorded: h=5 m=21
